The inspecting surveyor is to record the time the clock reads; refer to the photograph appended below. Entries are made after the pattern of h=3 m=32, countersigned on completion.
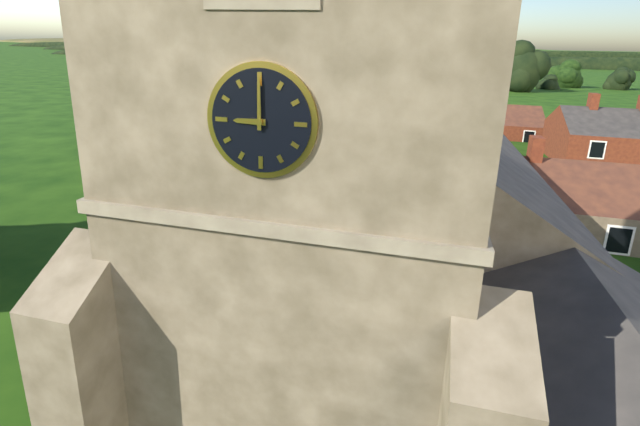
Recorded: h=9 m=0
